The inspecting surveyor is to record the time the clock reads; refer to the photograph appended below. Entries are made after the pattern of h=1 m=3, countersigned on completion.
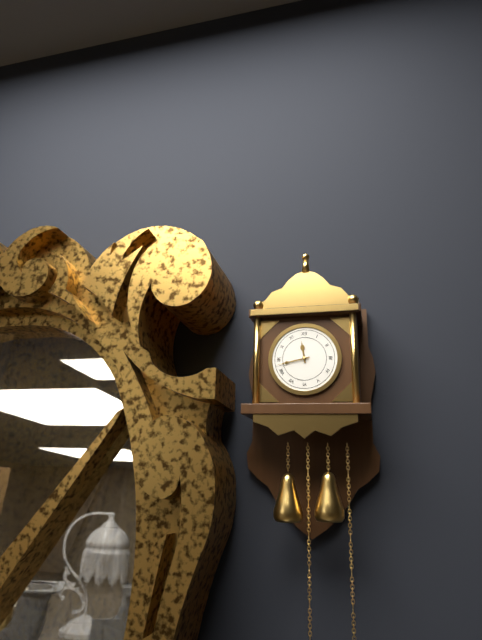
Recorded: h=11 m=43
